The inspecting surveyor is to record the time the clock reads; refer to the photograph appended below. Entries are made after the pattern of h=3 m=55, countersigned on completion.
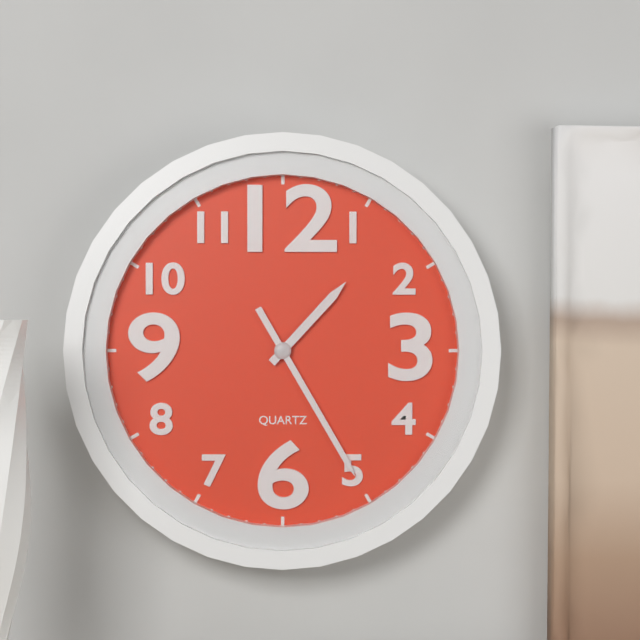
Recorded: h=1 m=25
